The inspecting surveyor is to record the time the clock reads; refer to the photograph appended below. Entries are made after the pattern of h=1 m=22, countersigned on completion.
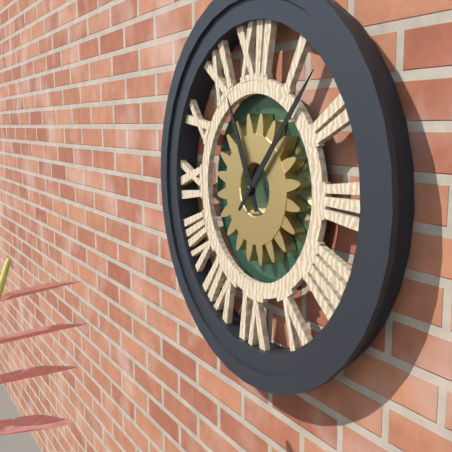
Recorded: h=11 m=7
